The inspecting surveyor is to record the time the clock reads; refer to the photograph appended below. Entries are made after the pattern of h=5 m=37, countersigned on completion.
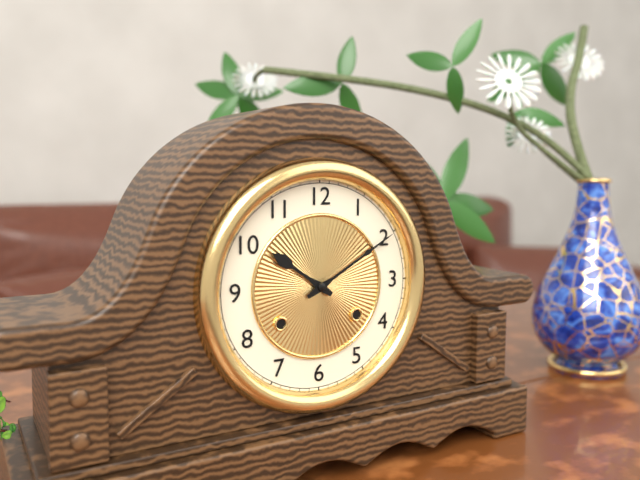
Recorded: h=10 m=10
